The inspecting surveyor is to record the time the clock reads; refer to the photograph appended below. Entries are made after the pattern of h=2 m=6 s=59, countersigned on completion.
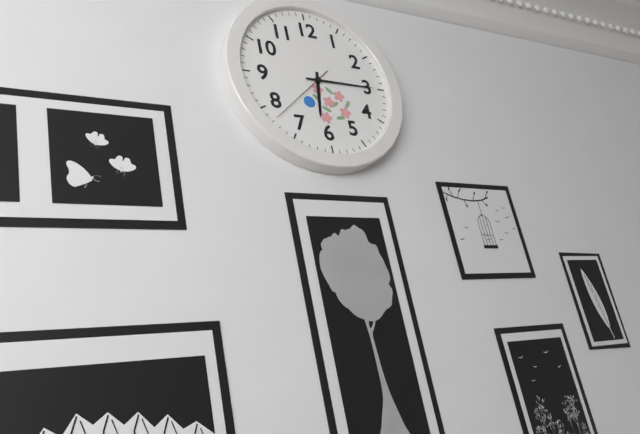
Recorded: h=6 m=15 s=38
